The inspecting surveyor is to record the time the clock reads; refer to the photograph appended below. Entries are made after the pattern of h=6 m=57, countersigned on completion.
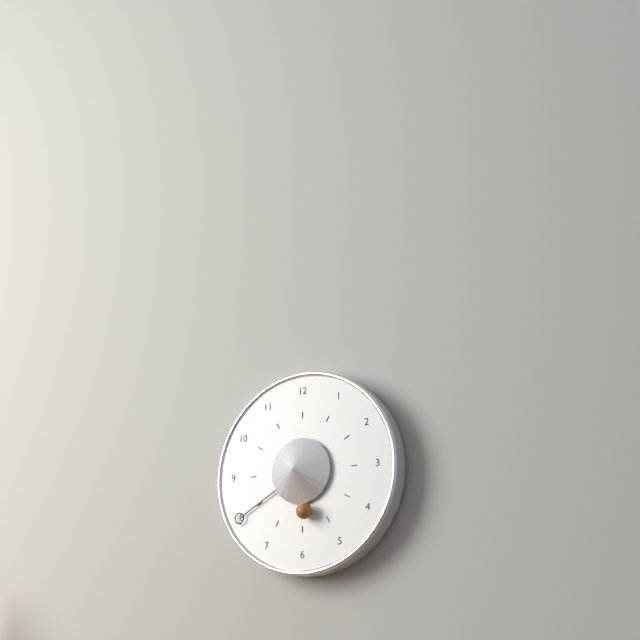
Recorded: h=5 m=40
